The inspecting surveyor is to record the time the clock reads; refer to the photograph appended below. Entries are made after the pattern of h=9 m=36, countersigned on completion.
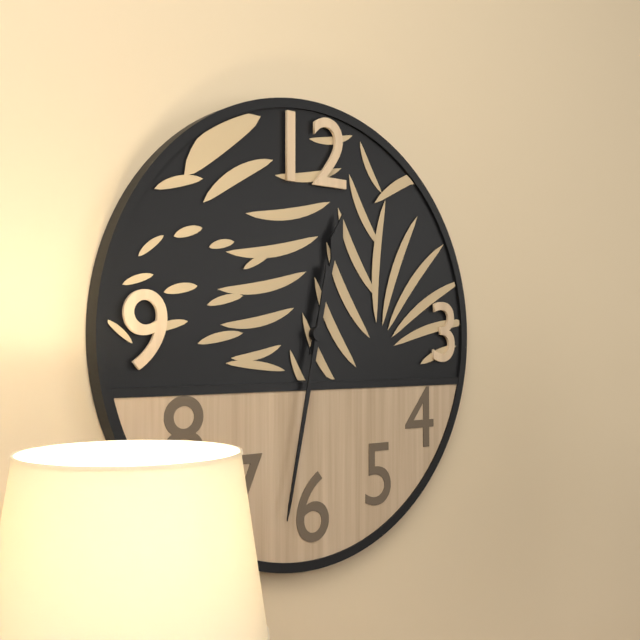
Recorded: h=12 m=32
